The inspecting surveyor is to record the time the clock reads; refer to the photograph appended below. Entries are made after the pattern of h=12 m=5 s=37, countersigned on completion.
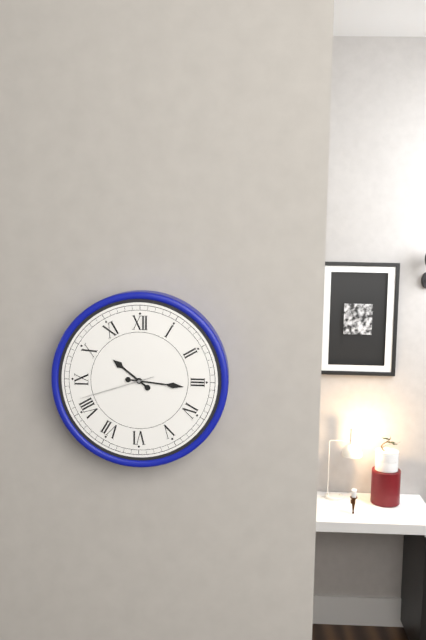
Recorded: h=10 m=16 s=42
